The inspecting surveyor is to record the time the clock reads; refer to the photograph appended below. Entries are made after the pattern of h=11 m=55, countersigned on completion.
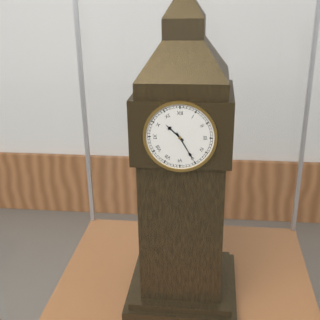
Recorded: h=10 m=25
